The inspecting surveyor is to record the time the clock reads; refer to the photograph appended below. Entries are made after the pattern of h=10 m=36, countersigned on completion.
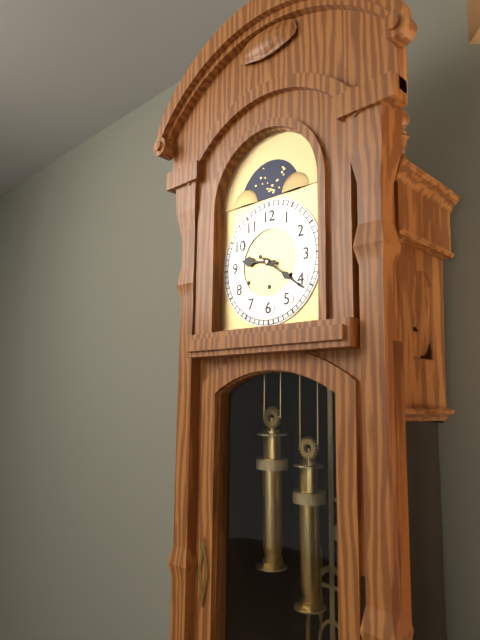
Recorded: h=9 m=21
